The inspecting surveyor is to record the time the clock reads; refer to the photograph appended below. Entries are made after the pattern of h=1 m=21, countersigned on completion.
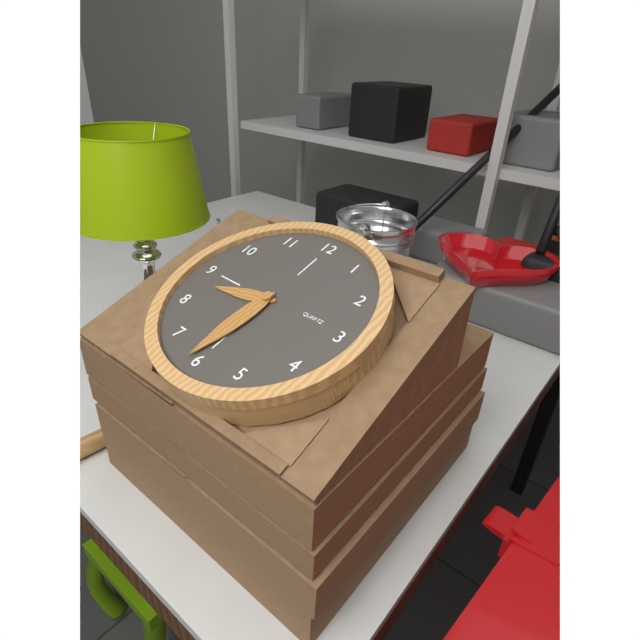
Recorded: h=8 m=31
